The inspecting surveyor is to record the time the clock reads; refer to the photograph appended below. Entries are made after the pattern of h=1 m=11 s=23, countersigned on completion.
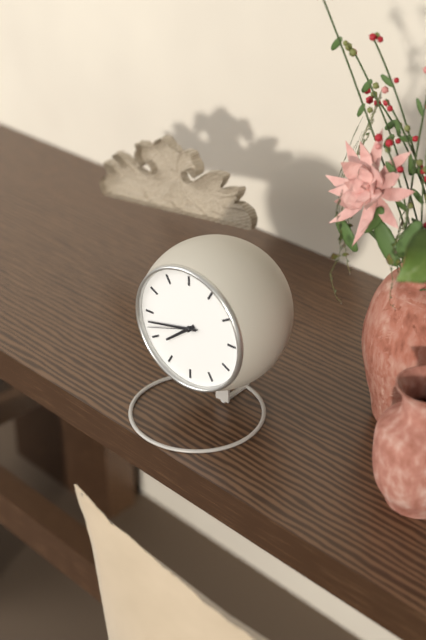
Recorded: h=7 m=43 s=42
